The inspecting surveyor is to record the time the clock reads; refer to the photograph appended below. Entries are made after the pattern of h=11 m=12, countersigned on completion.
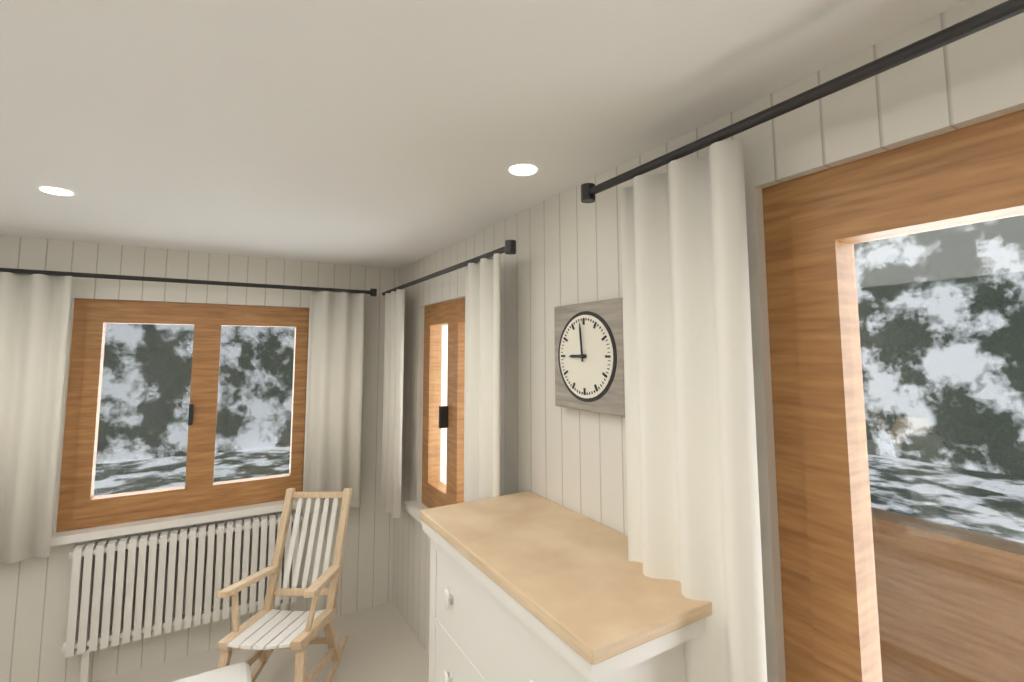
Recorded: h=8 m=59
